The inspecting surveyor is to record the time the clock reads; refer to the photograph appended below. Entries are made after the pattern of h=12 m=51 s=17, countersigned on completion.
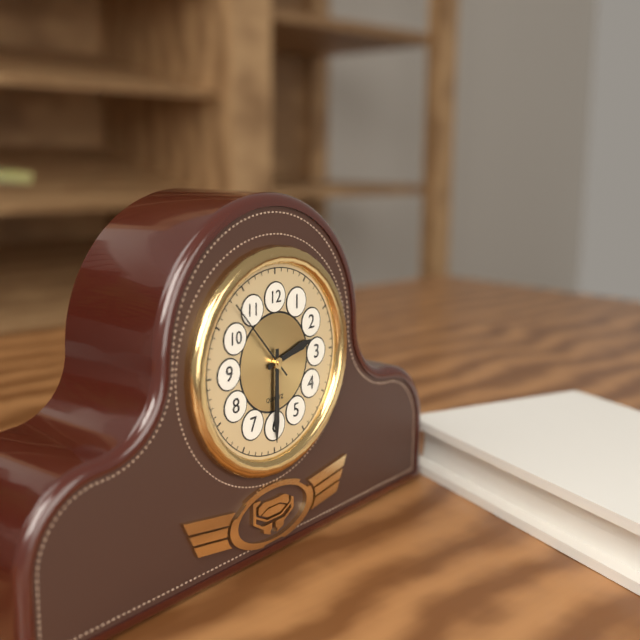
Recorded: h=2 m=30 s=53
